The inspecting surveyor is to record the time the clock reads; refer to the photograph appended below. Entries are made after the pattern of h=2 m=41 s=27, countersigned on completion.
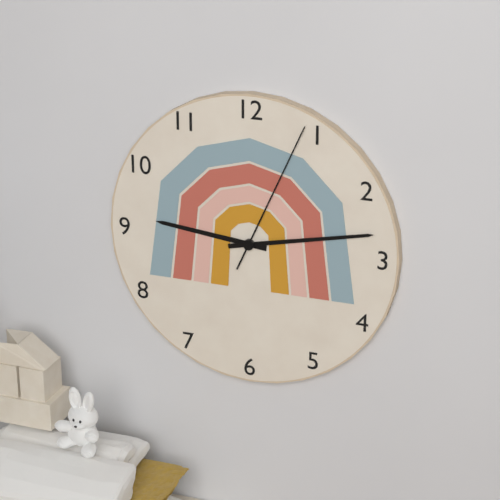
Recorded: h=9 m=13 s=4
